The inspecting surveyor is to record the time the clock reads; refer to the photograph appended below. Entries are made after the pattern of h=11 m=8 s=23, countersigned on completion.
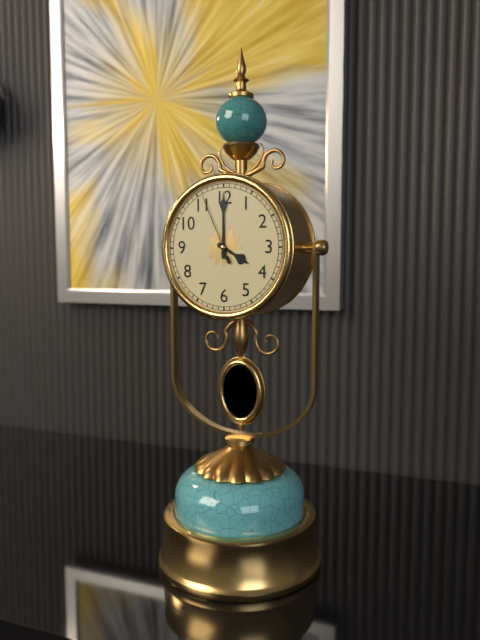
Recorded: h=4 m=0 s=56
